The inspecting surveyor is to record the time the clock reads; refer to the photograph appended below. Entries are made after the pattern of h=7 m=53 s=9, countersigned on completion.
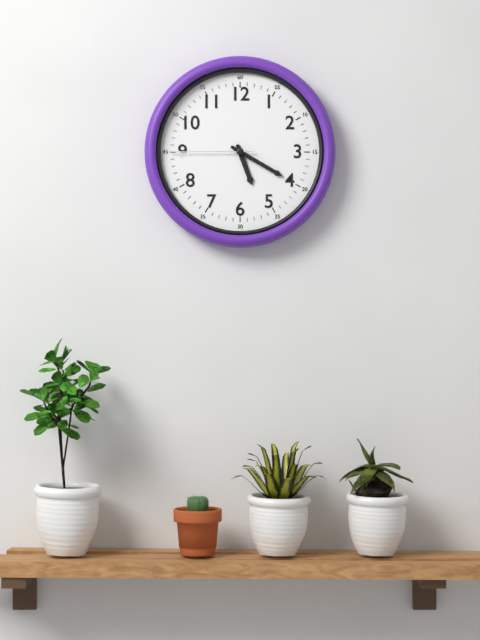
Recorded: h=5 m=20 s=45
